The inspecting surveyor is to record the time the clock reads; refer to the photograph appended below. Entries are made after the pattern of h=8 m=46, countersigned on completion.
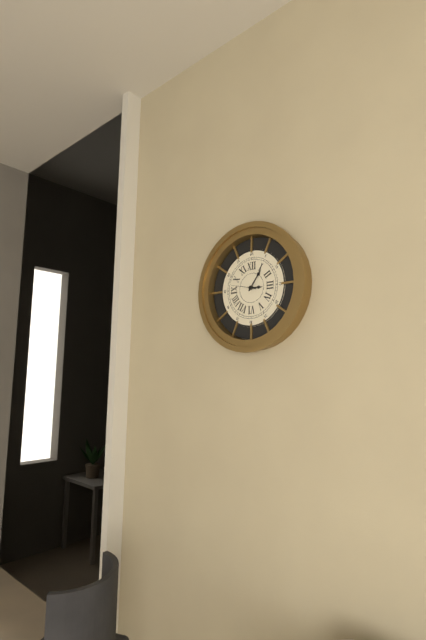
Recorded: h=3 m=6
